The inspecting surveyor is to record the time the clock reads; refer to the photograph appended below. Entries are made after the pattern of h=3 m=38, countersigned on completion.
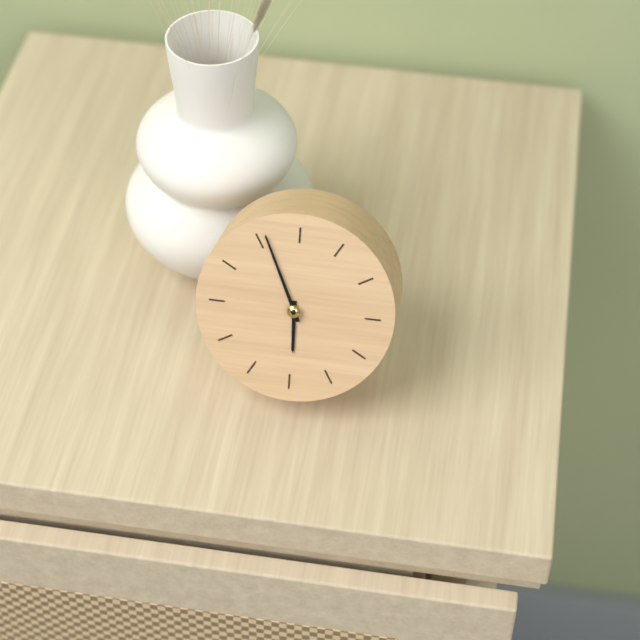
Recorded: h=5 m=56
